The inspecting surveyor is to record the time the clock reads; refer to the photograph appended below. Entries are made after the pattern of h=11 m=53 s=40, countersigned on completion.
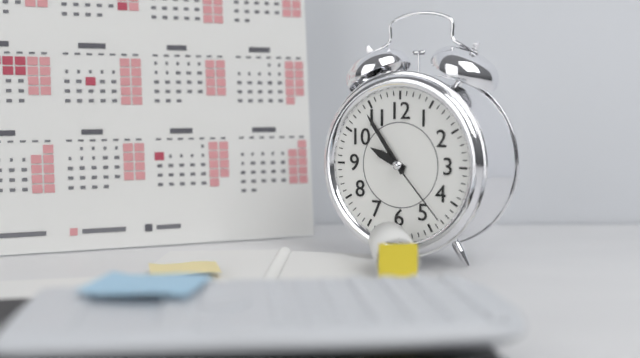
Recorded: h=9 m=54 s=23
